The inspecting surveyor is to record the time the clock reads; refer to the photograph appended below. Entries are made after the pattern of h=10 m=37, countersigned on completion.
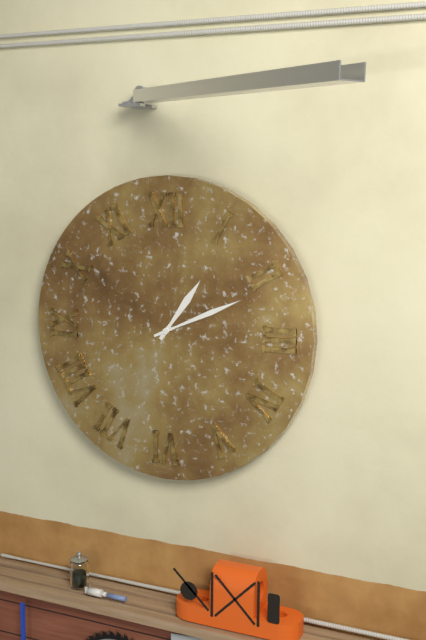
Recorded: h=1 m=11
